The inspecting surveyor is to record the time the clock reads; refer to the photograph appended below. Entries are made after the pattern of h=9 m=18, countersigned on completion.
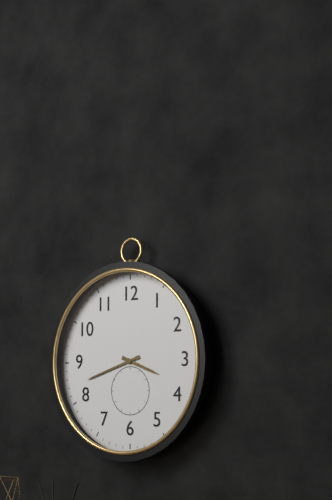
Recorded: h=3 m=42
